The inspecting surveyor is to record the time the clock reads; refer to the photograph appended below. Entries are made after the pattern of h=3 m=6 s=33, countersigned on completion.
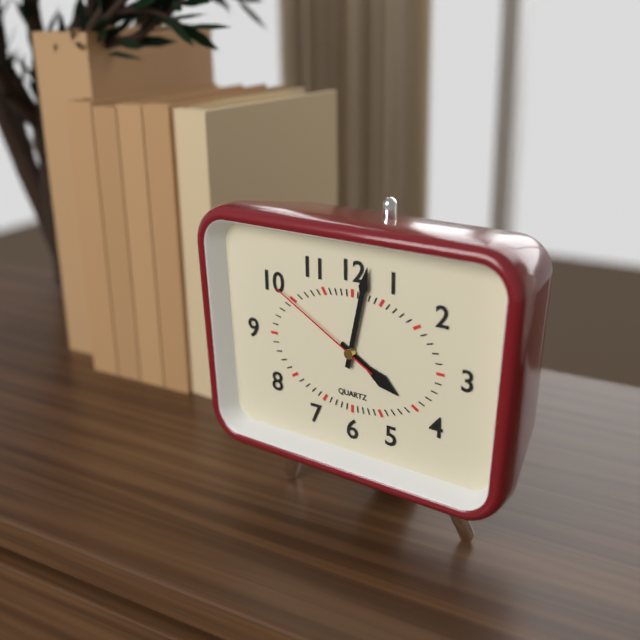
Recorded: h=4 m=2 s=50
